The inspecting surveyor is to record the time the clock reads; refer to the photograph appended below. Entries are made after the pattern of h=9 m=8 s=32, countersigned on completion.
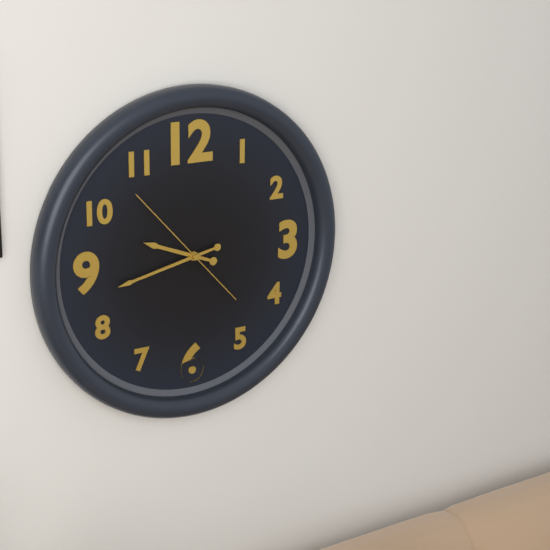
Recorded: h=9 m=43 s=53
